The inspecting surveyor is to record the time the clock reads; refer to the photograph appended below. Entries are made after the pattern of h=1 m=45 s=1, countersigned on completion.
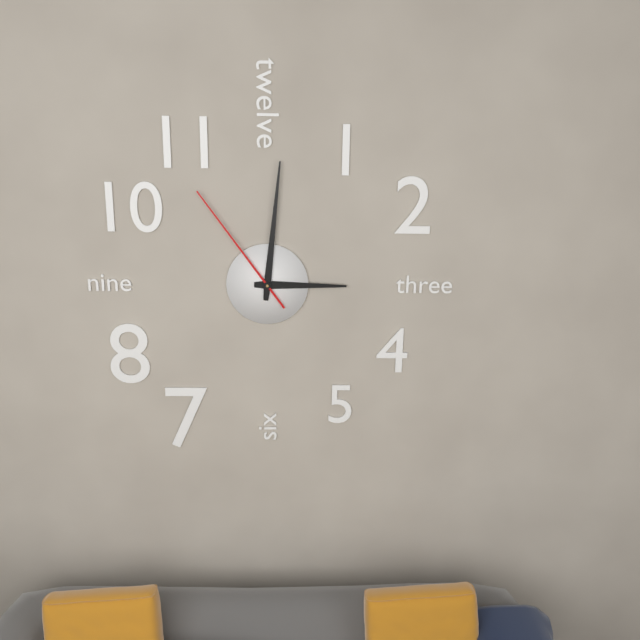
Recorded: h=3 m=1 s=54
